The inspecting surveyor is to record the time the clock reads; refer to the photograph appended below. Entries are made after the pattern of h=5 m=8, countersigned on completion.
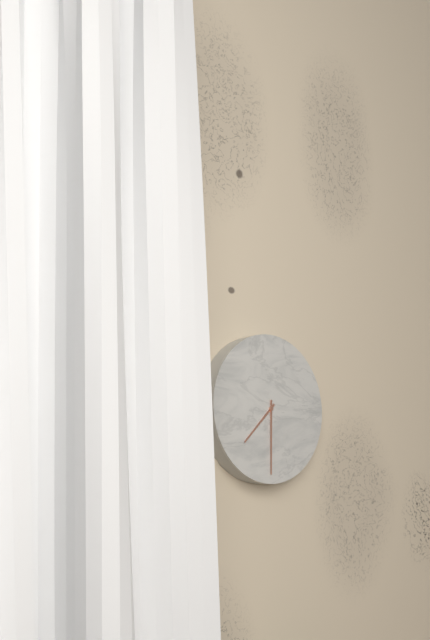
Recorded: h=7 m=30
